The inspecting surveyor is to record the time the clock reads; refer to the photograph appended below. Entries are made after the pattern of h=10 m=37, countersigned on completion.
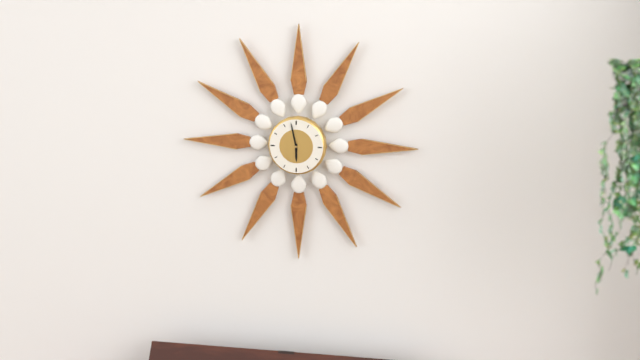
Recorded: h=5 m=58
